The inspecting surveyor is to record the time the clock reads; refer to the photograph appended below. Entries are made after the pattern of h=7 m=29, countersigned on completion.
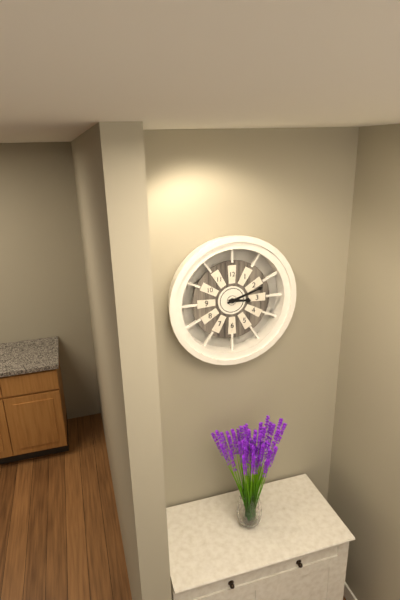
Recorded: h=3 m=12
